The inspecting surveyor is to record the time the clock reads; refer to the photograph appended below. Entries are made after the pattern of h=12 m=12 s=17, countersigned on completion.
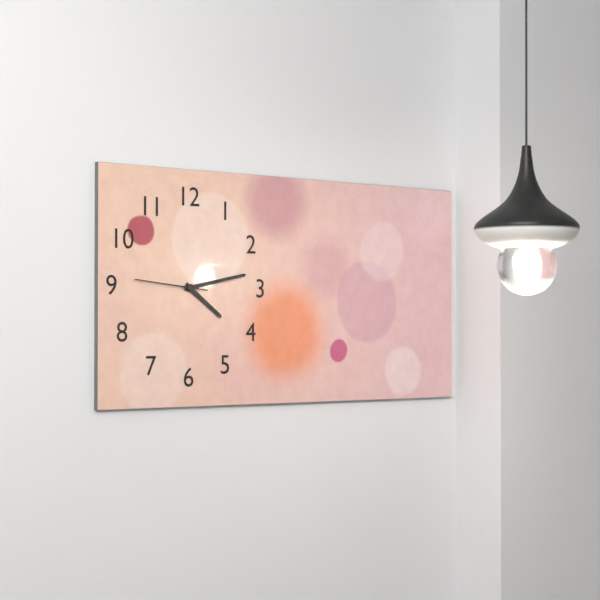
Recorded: h=4 m=13 s=46
